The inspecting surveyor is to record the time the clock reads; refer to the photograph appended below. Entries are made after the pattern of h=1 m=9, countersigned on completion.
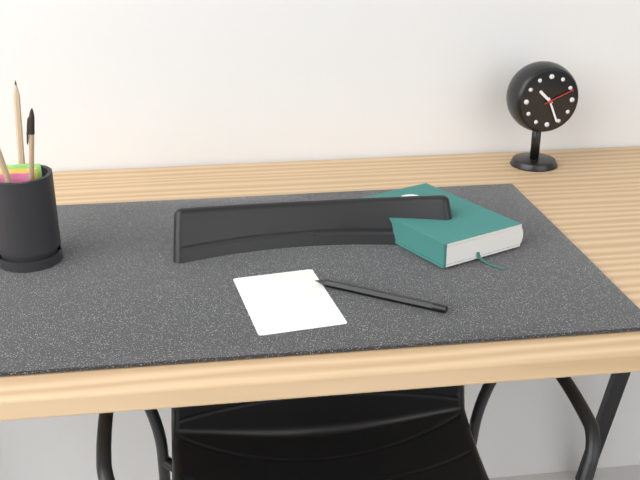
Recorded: h=10 m=26
